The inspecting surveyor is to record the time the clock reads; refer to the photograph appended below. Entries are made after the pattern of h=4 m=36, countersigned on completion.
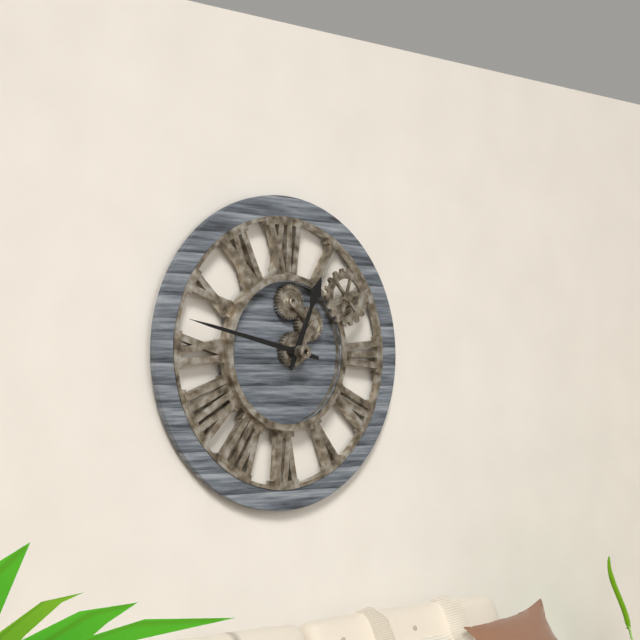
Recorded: h=12 m=47
